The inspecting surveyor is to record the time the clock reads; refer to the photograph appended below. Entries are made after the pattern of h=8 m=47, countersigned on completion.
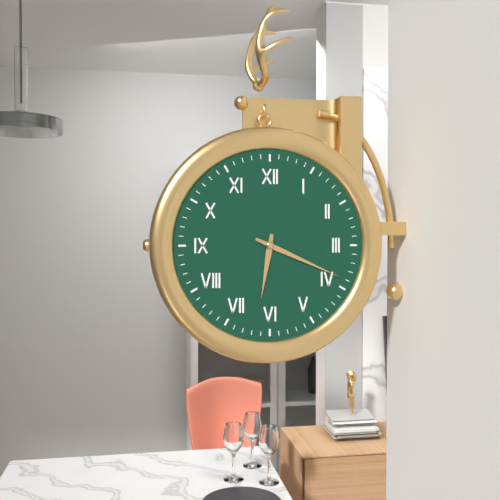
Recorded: h=6 m=19
